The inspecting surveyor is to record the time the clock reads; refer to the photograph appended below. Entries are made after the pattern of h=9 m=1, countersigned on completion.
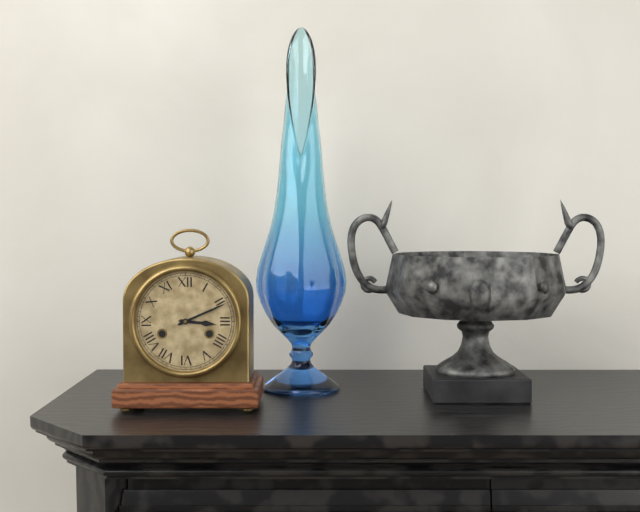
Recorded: h=3 m=11
